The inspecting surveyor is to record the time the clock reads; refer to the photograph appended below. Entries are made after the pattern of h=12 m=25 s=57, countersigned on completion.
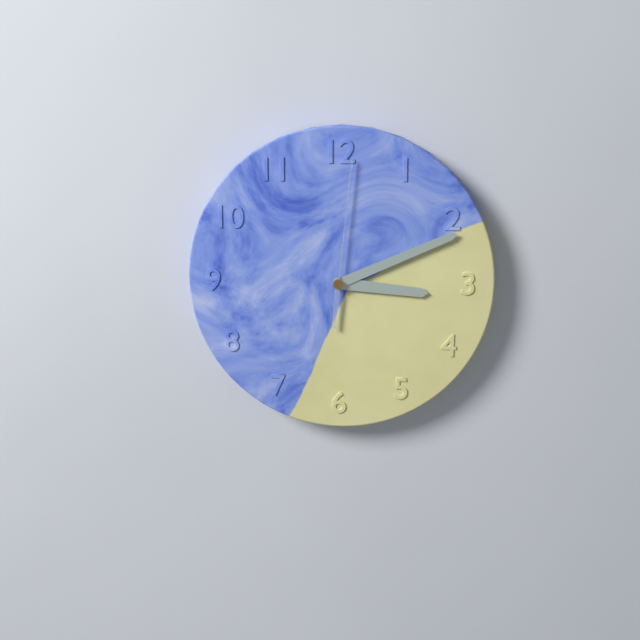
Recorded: h=3 m=11 s=1
